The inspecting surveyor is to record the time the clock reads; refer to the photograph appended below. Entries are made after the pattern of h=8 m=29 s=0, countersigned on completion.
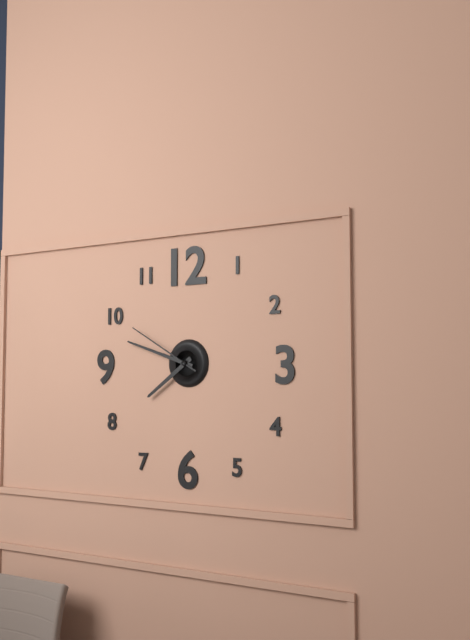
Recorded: h=7 m=48 s=50
